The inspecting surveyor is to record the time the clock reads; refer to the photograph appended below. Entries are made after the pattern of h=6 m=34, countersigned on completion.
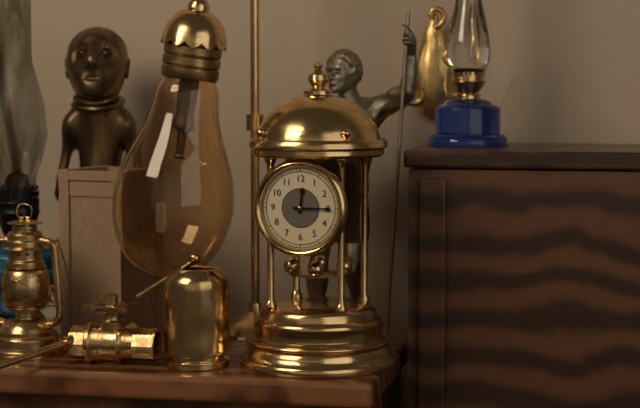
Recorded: h=12 m=15
